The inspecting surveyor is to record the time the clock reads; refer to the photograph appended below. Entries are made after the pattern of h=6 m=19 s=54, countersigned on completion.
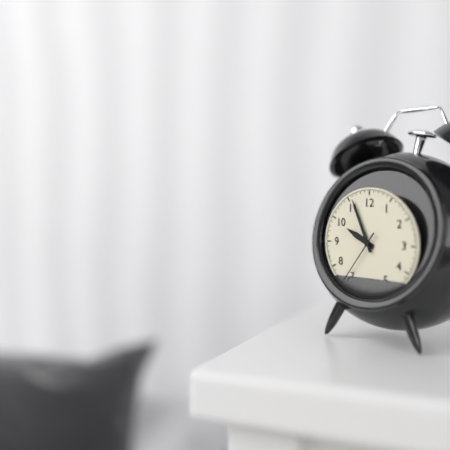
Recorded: h=9 m=56 s=36
